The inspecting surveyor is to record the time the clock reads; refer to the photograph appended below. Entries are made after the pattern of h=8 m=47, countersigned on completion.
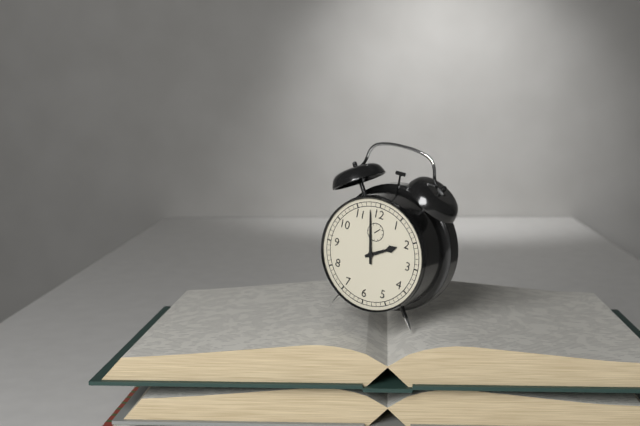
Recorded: h=1 m=58
